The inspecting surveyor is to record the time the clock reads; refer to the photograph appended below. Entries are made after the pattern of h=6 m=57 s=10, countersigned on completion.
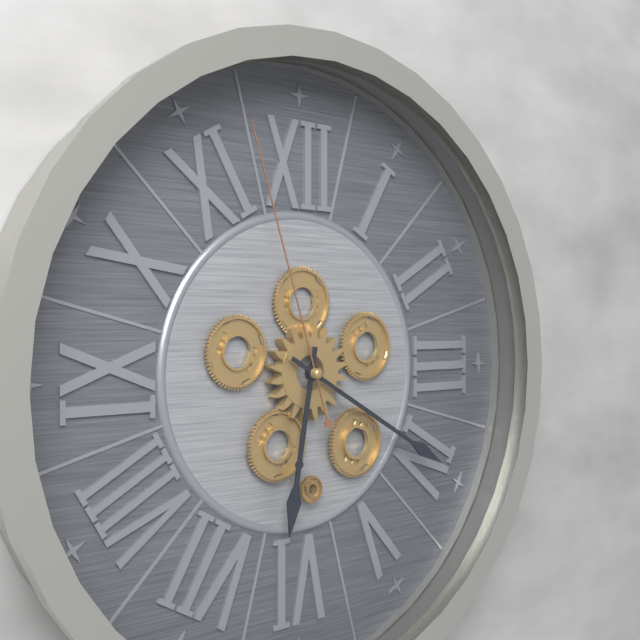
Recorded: h=6 m=20 s=57
